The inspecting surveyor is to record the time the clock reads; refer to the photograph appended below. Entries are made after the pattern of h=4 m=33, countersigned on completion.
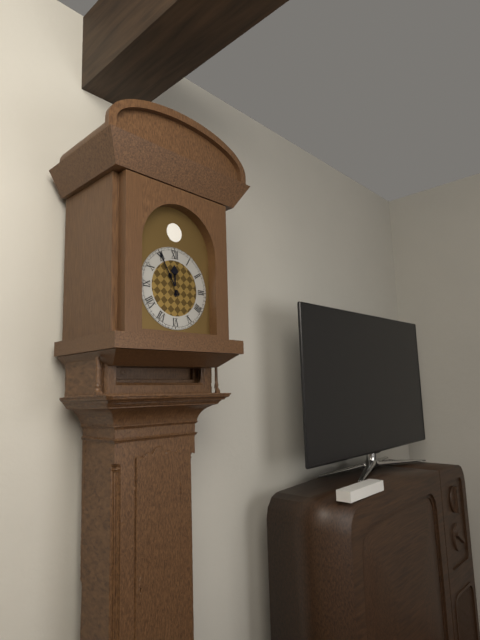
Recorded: h=11 m=55
